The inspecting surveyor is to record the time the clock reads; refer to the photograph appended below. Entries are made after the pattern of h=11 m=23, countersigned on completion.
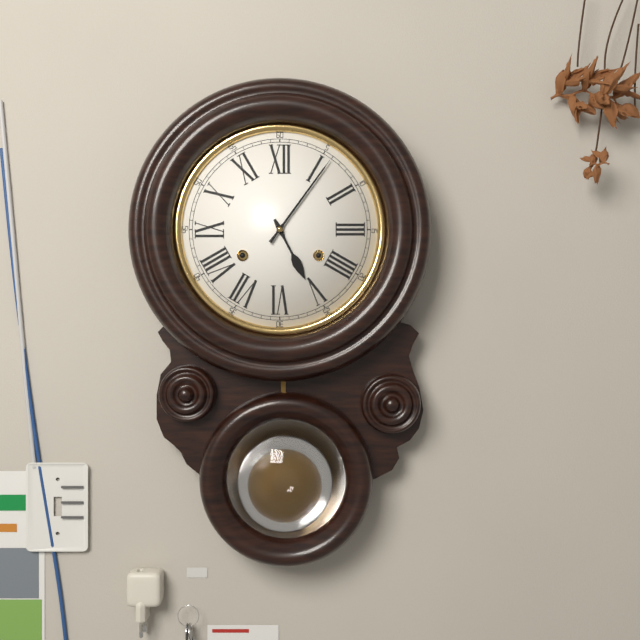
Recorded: h=5 m=6
